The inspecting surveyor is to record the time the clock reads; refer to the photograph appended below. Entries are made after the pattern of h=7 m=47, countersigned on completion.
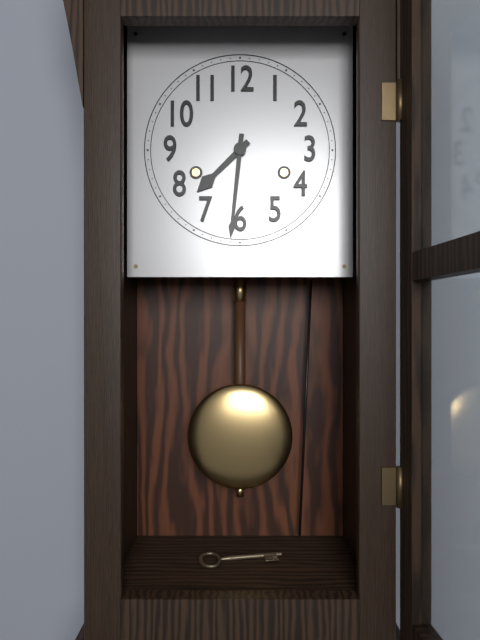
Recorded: h=7 m=31
